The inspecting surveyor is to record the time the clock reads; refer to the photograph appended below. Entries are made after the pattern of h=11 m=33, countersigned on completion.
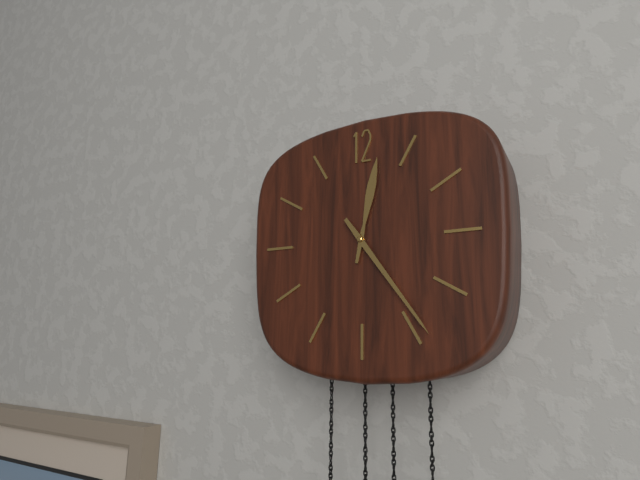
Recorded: h=12 m=24
